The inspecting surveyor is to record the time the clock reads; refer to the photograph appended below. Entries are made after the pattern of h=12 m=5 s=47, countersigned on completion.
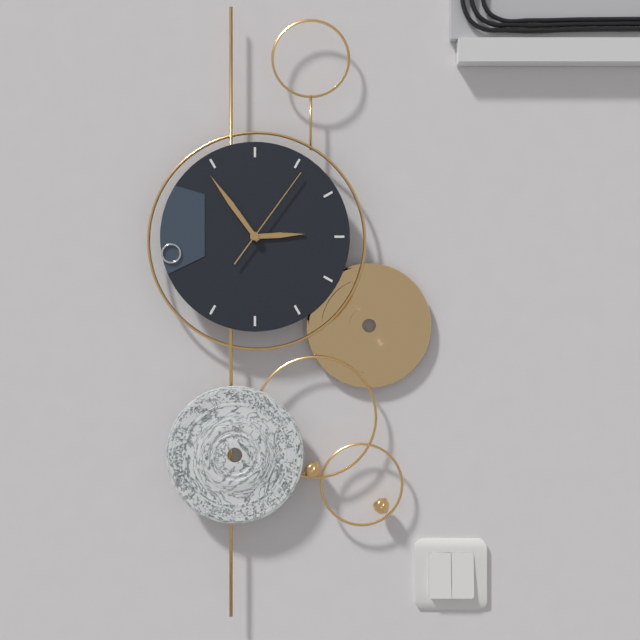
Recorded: h=2 m=54 s=6
